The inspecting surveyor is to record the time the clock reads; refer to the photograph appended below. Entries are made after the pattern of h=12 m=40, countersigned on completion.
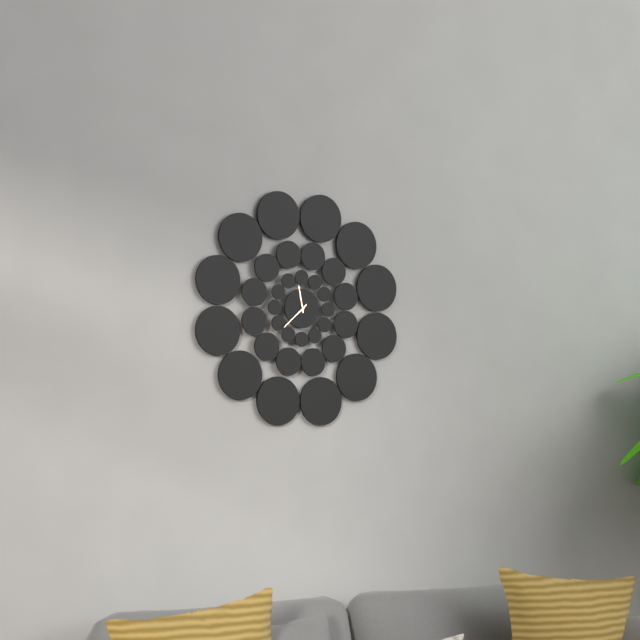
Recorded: h=11 m=38
